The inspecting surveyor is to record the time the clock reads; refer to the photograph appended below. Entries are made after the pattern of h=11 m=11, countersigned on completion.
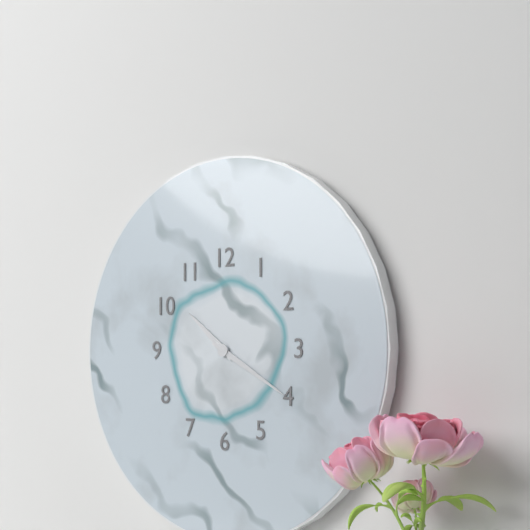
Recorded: h=10 m=20
